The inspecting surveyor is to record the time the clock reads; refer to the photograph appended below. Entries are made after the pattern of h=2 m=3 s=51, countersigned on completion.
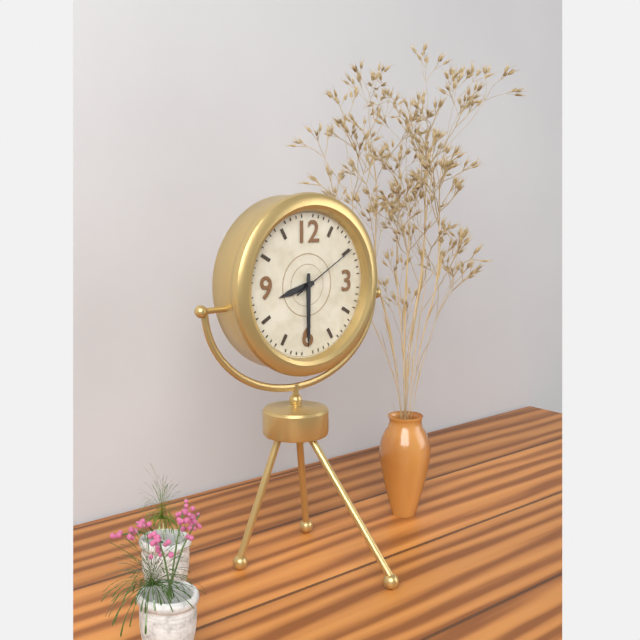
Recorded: h=8 m=30 s=10
